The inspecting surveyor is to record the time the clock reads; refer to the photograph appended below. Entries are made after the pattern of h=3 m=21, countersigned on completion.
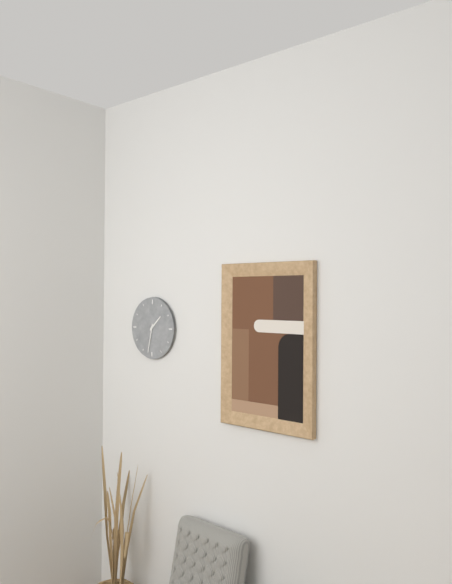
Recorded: h=1 m=32
